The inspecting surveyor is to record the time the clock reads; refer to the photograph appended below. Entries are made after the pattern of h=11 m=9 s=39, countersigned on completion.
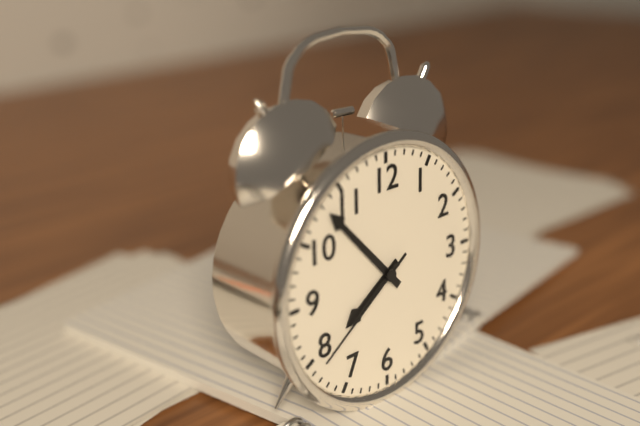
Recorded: h=7 m=53 s=39
